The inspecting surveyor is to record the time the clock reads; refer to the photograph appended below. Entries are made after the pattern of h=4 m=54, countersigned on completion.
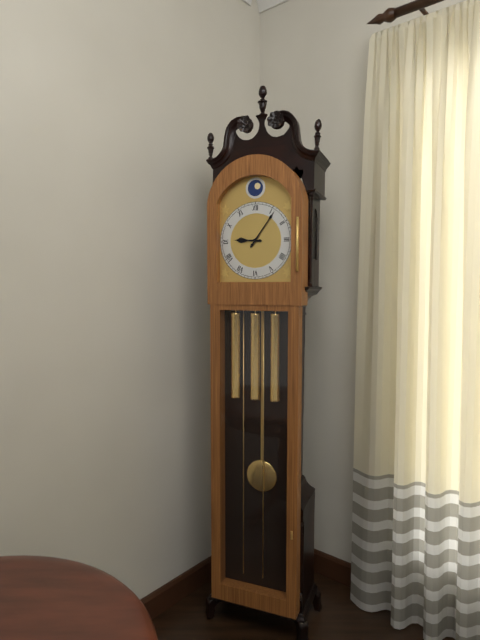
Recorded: h=9 m=6
